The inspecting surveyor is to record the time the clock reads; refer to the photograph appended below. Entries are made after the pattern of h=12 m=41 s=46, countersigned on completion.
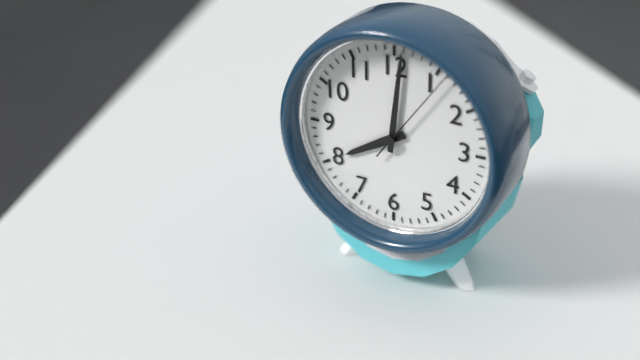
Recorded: h=8 m=1 s=6
